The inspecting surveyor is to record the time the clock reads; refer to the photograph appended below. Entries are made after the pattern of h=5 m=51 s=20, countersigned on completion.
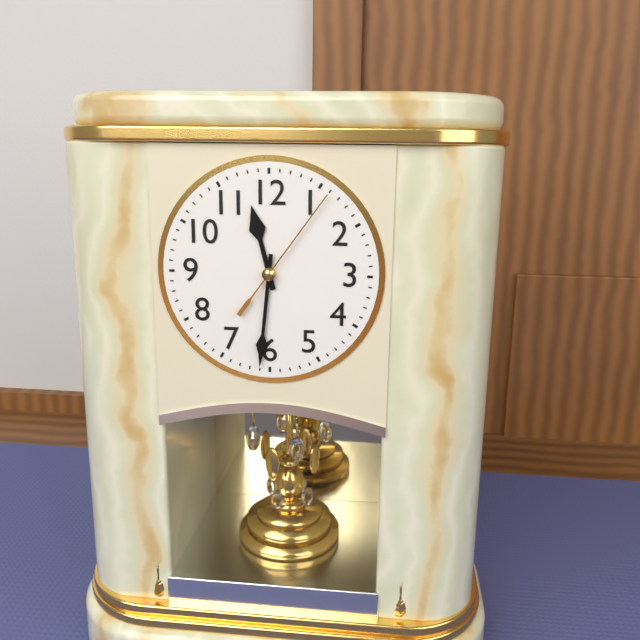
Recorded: h=11 m=31 s=6
